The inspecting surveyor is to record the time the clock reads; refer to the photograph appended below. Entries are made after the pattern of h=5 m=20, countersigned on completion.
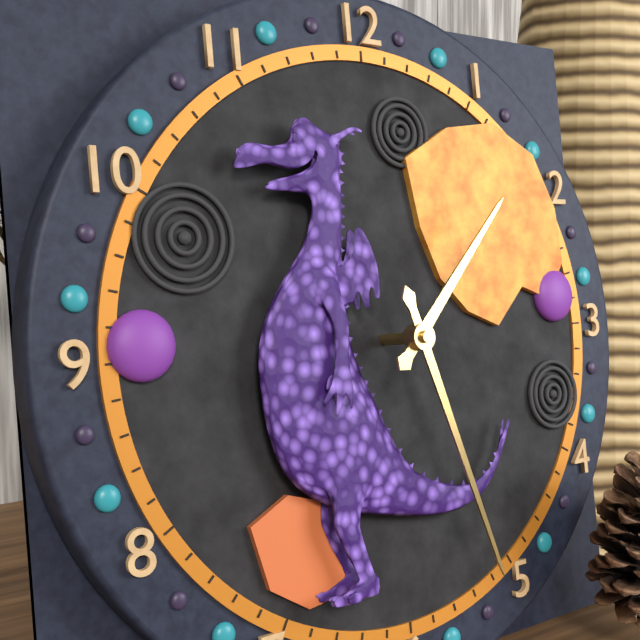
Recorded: h=1 m=27
